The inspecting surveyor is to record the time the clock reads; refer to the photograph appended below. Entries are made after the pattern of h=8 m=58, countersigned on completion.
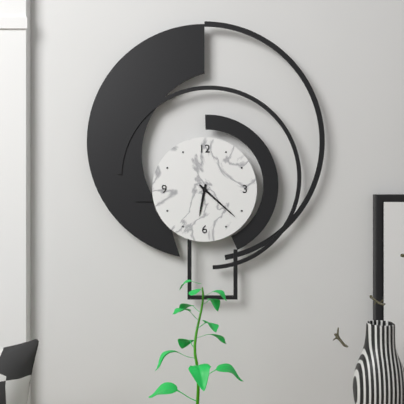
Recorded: h=6 m=22
